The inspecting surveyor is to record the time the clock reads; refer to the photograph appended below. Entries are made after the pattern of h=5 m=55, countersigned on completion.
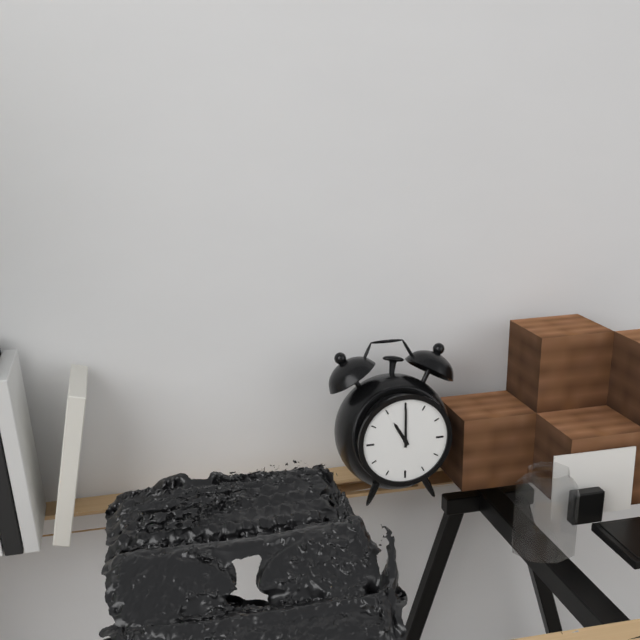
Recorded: h=11 m=0
